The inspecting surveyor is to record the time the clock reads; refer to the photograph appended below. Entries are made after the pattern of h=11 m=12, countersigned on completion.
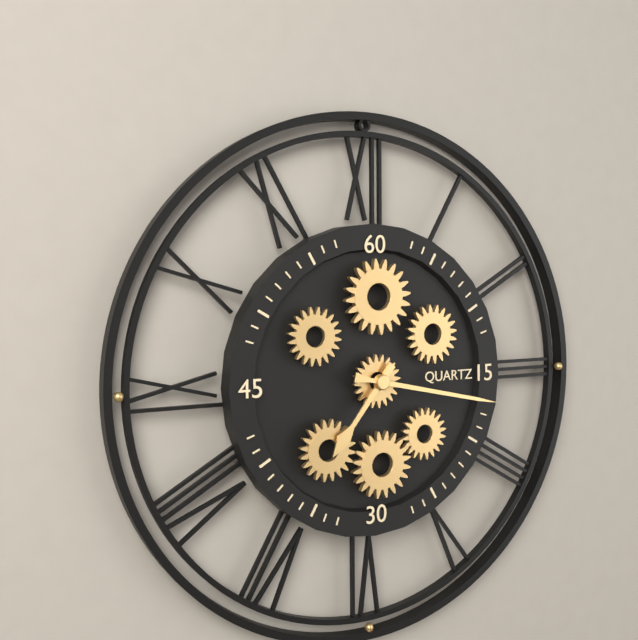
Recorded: h=7 m=17
